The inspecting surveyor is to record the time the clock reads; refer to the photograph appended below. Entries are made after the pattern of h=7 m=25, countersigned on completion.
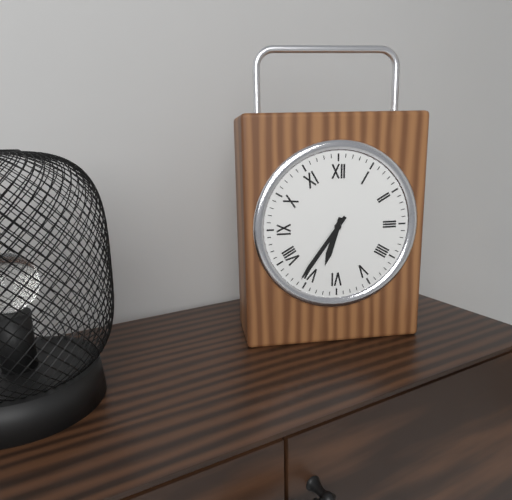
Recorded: h=6 m=36
